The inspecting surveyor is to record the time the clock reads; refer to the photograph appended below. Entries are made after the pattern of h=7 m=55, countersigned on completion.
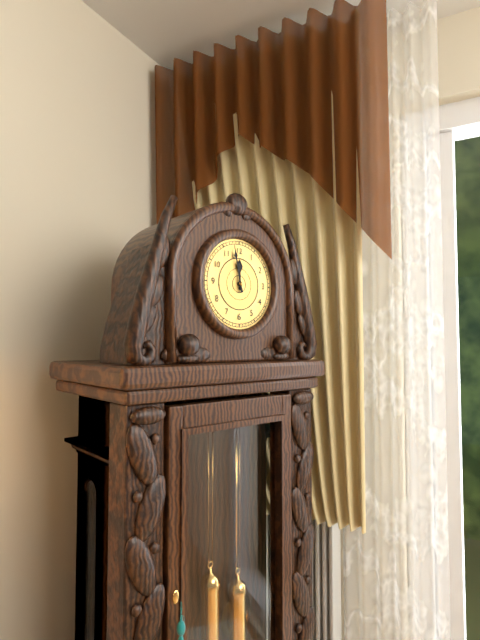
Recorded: h=11 m=58
